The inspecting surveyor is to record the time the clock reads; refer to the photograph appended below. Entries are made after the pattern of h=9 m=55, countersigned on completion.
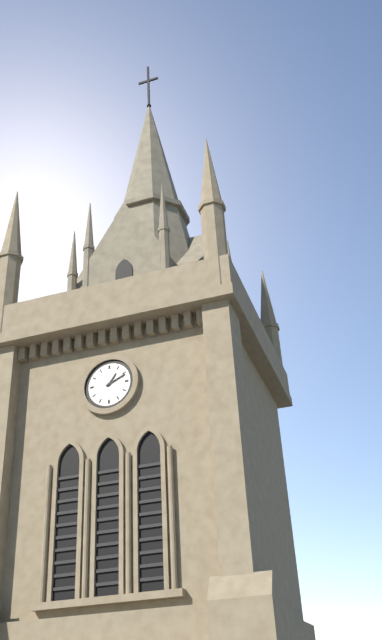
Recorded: h=1 m=11
